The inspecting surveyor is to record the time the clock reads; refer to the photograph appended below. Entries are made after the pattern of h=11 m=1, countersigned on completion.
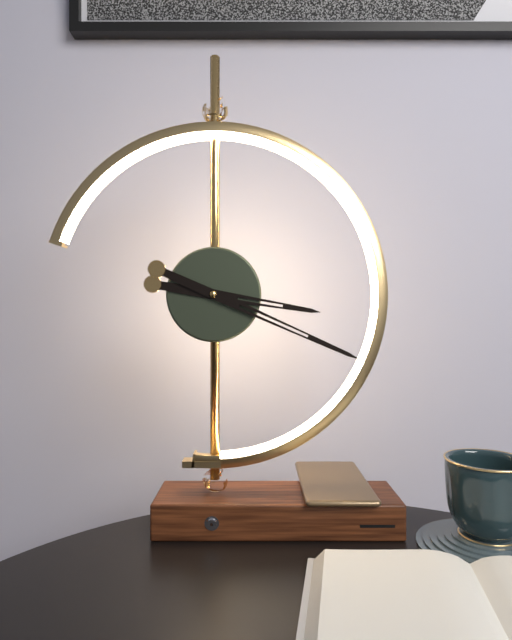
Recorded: h=3 m=19
